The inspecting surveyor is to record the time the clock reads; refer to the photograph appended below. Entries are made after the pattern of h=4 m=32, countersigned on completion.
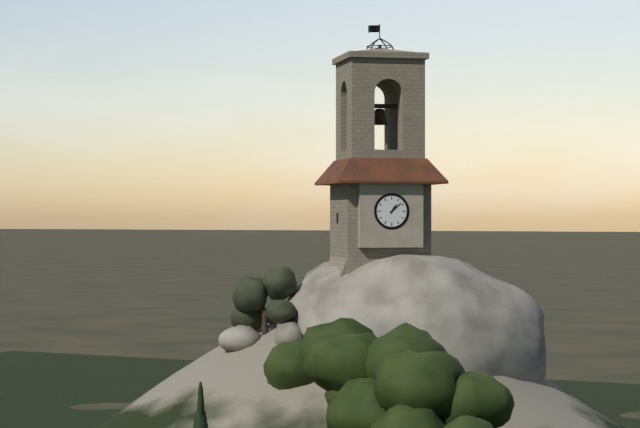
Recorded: h=1 m=8
